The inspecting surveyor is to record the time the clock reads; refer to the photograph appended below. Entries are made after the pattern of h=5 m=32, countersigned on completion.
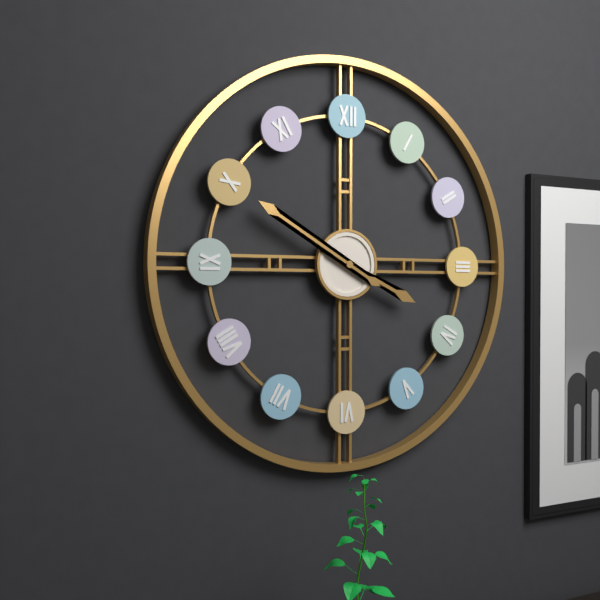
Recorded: h=3 m=50
